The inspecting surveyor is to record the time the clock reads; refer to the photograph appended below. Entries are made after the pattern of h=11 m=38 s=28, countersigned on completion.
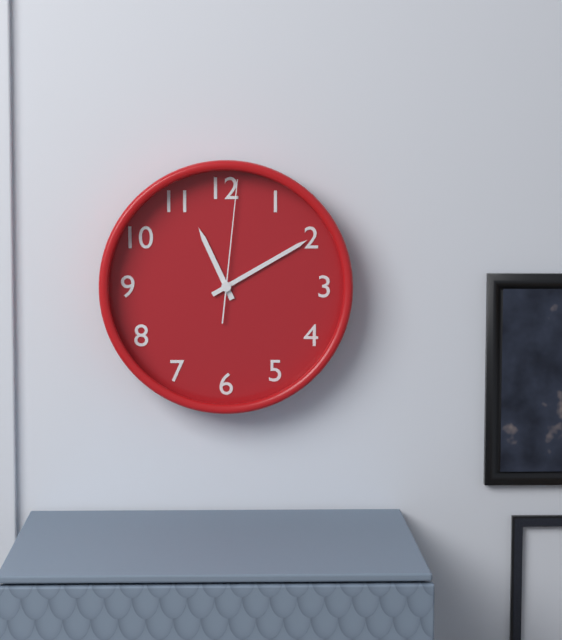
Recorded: h=11 m=10 s=1
